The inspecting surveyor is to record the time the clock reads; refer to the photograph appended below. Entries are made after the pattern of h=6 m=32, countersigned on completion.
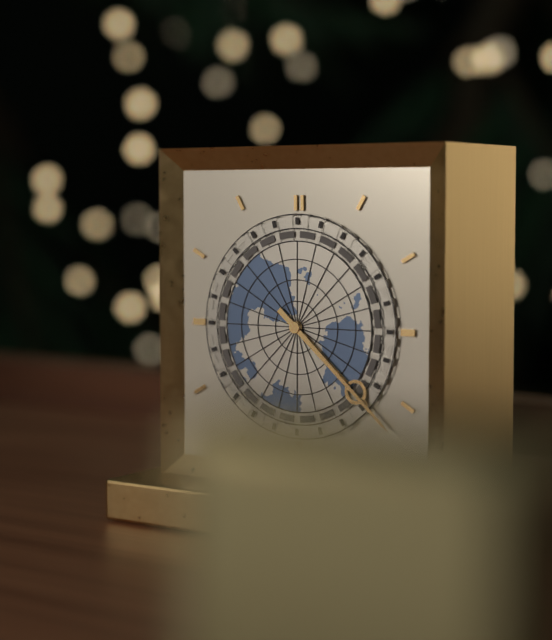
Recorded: h=4 m=22
